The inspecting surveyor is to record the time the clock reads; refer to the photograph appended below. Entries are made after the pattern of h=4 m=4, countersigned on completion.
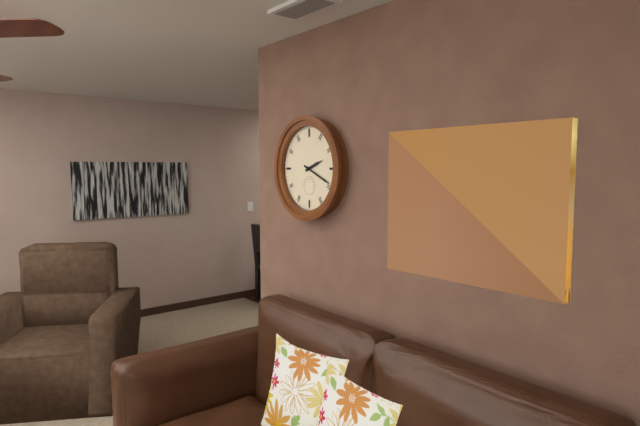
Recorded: h=2 m=19
